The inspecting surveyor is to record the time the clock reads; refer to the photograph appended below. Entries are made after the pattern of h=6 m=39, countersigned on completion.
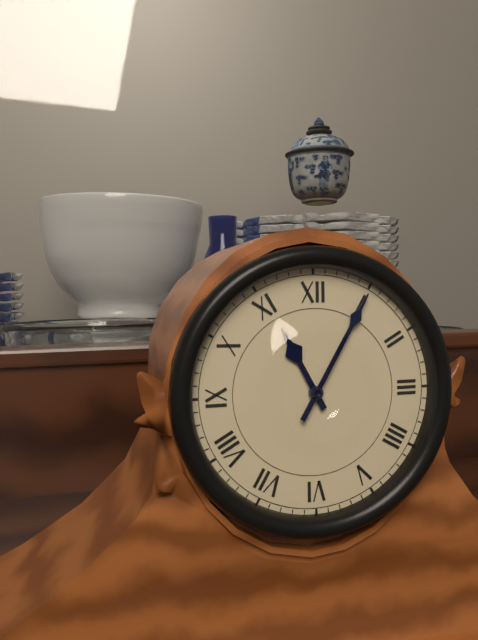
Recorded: h=11 m=5
